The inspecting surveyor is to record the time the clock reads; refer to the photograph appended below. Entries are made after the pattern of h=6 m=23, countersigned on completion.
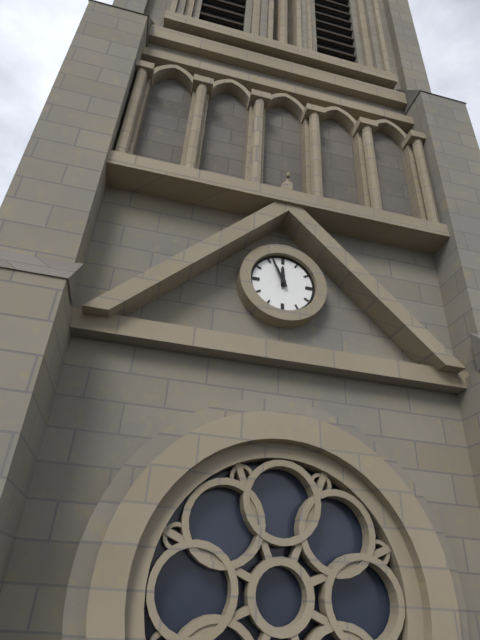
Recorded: h=11 m=56
